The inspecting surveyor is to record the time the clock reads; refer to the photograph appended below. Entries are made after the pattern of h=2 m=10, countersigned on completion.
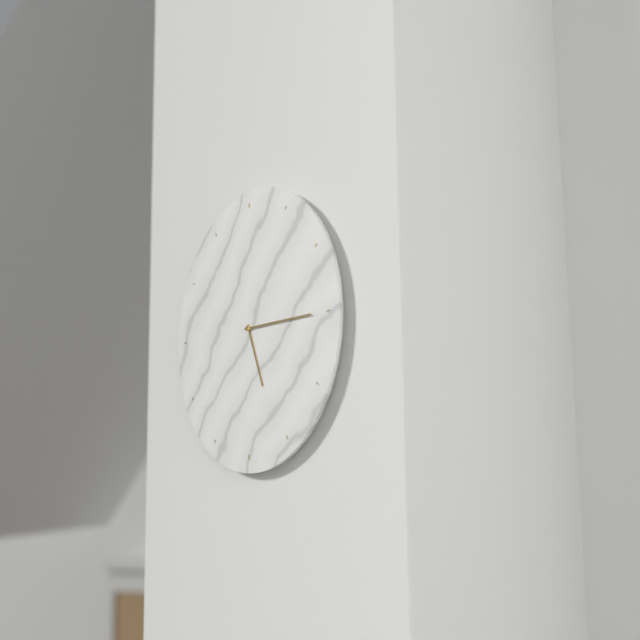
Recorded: h=5 m=15
